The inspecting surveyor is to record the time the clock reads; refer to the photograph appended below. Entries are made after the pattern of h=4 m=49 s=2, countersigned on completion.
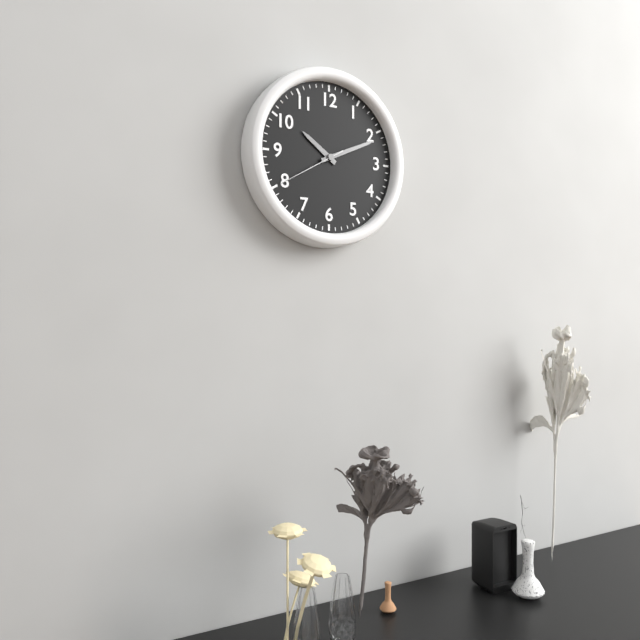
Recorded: h=10 m=11 s=40
